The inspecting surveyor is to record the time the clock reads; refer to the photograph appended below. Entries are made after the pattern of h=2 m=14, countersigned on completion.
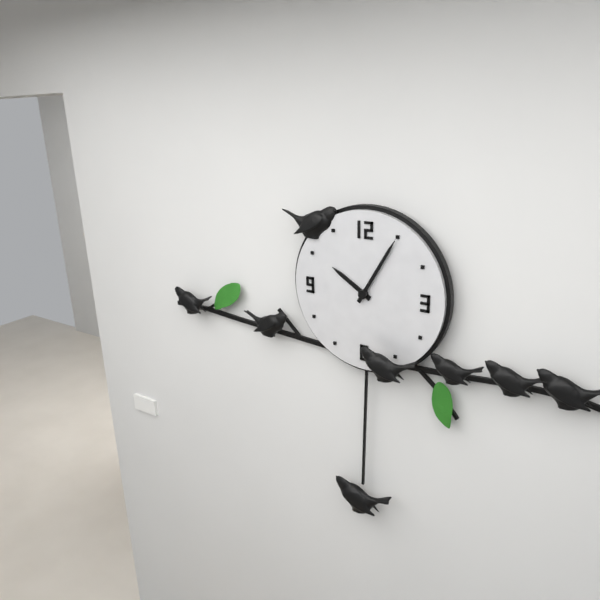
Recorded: h=10 m=5
